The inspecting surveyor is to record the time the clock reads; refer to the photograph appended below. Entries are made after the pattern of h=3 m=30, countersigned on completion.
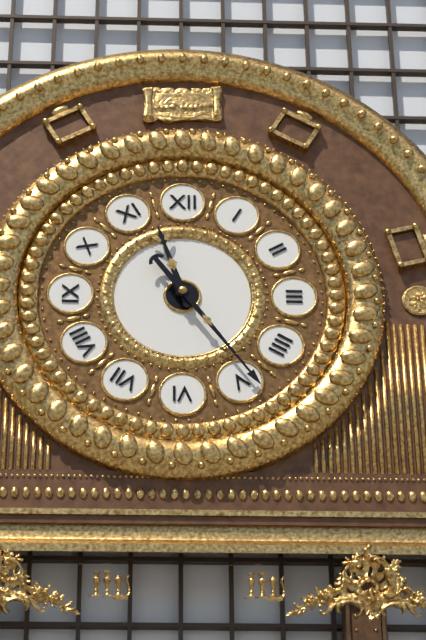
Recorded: h=11 m=24
